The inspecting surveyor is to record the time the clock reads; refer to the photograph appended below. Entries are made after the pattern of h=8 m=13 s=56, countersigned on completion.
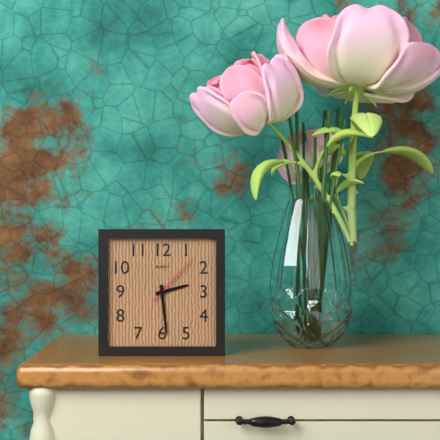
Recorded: h=2 m=29 s=7
